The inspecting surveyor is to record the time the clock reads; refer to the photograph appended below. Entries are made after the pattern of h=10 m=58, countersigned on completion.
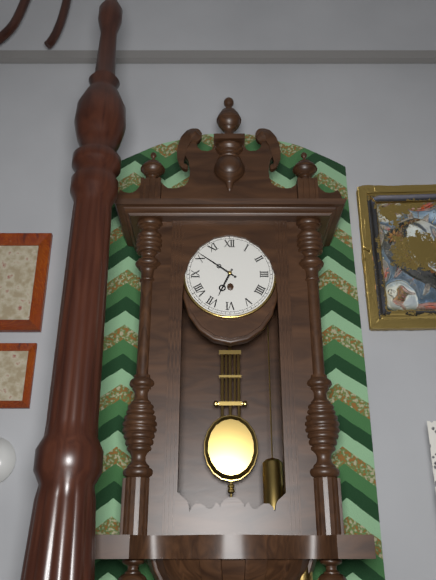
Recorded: h=6 m=51
